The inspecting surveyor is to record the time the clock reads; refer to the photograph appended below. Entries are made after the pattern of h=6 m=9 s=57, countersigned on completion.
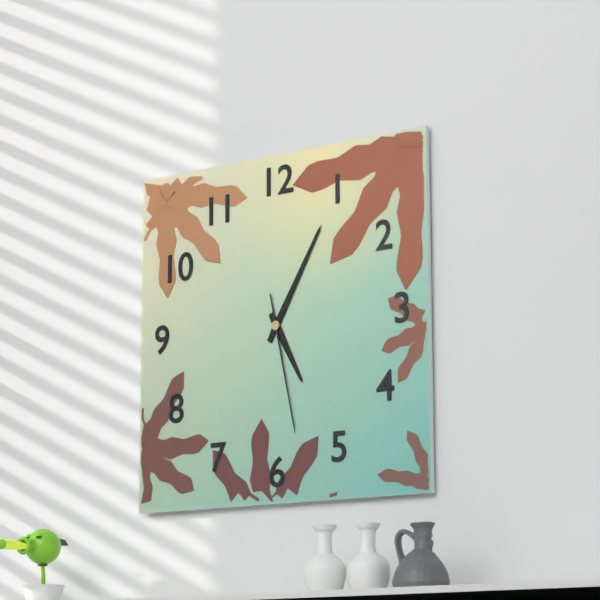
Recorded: h=5 m=5 s=28
